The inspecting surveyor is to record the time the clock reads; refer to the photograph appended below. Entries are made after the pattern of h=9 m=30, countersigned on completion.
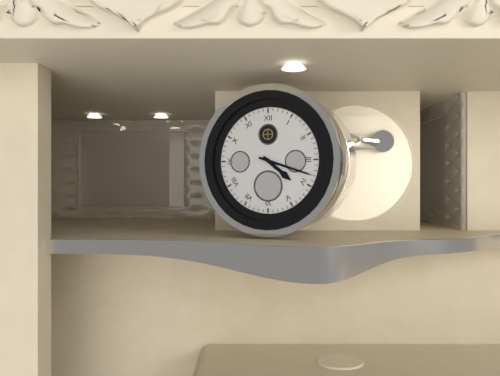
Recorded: h=4 m=18
